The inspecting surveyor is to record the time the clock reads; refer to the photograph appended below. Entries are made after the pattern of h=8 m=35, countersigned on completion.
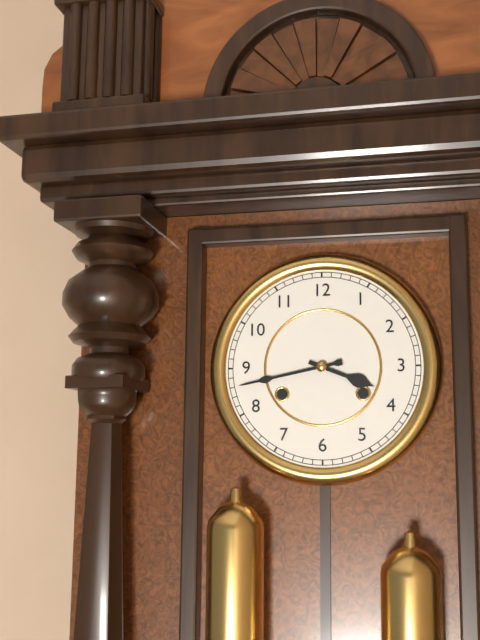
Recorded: h=3 m=43
